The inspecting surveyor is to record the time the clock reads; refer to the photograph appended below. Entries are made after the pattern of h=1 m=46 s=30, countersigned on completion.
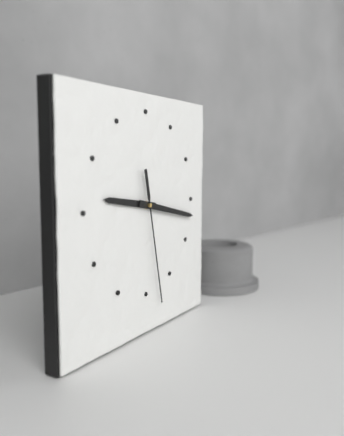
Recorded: h=9 m=17 s=28
